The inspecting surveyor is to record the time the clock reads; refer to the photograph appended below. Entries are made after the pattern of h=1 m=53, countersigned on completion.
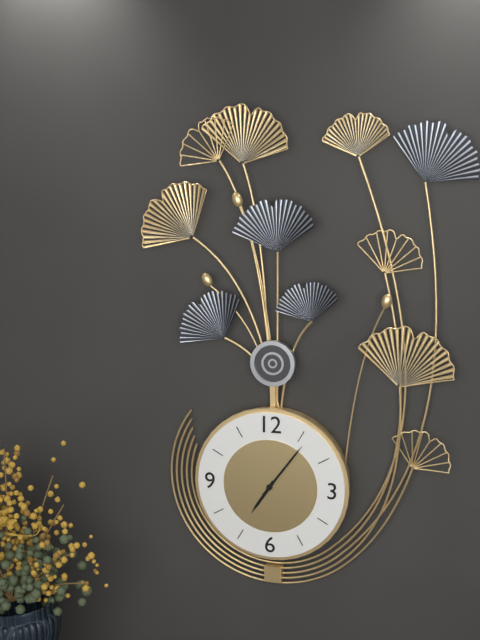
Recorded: h=7 m=6
